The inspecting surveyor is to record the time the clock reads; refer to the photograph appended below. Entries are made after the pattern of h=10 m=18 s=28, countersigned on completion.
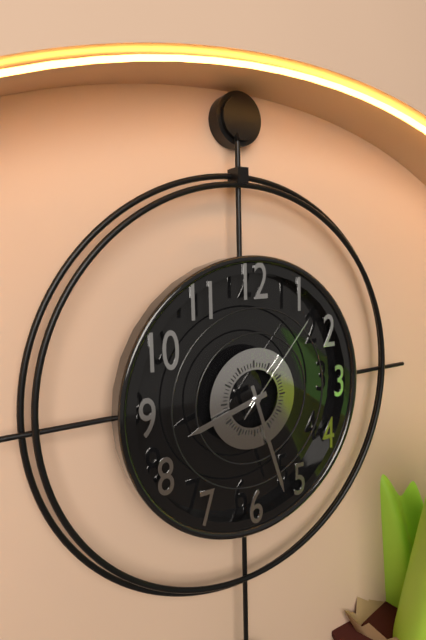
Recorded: h=8 m=27 s=7
